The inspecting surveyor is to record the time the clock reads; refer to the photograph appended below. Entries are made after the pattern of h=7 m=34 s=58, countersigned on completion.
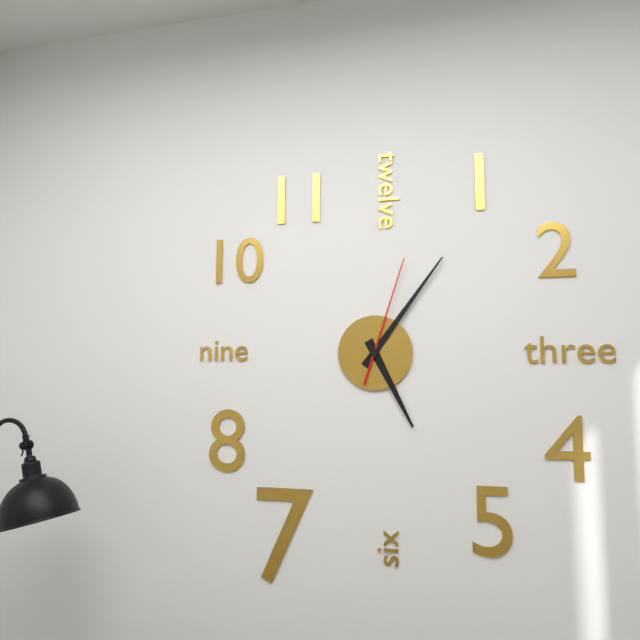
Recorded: h=5 m=6 s=3
